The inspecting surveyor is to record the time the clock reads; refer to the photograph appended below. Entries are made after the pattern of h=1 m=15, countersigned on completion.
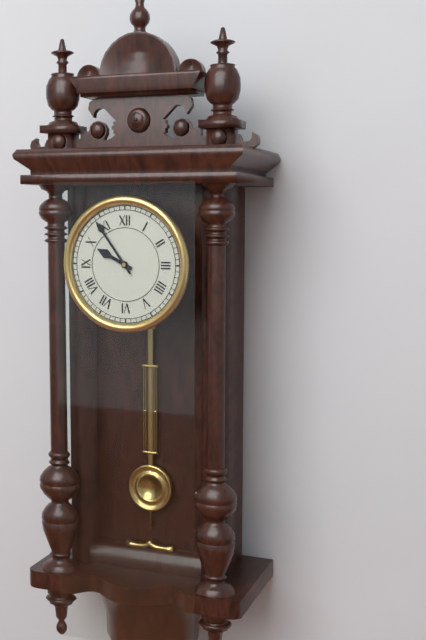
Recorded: h=9 m=54
